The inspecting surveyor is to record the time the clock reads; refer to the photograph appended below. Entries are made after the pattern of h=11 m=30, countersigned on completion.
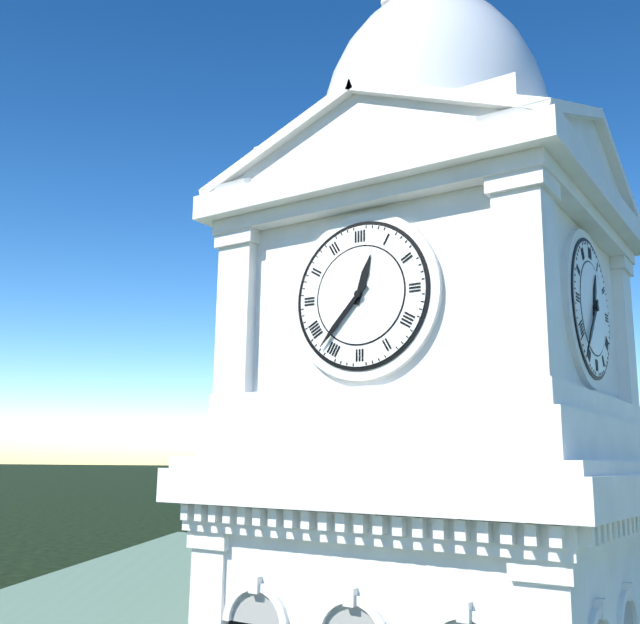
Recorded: h=12 m=37
